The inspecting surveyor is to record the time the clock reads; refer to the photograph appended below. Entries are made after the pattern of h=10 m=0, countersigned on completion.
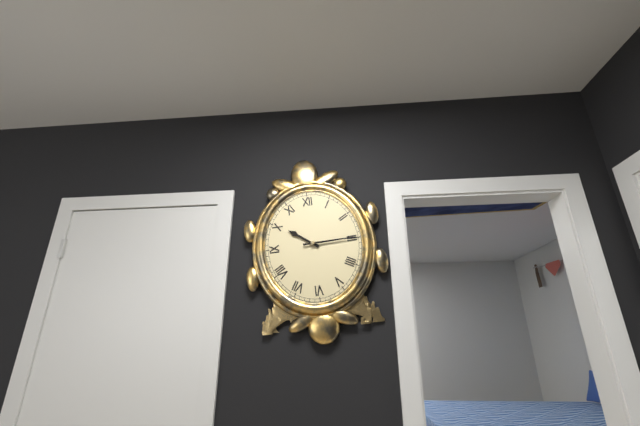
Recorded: h=10 m=15
